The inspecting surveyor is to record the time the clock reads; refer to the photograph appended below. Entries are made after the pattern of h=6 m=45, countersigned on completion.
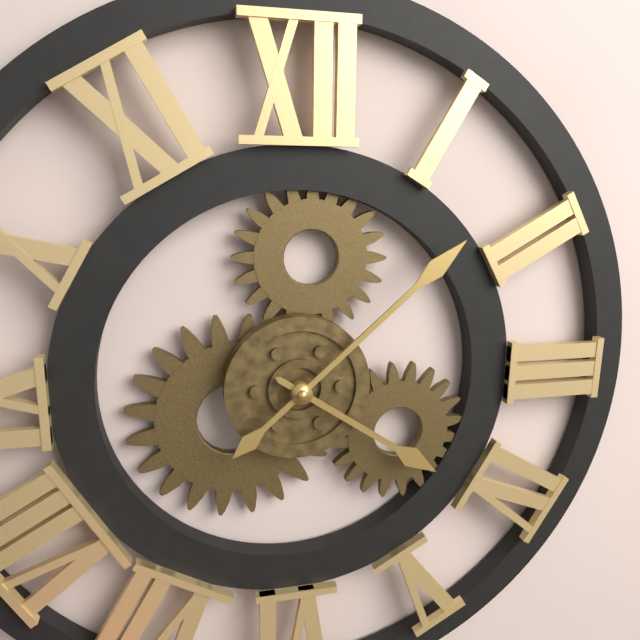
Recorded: h=4 m=8
